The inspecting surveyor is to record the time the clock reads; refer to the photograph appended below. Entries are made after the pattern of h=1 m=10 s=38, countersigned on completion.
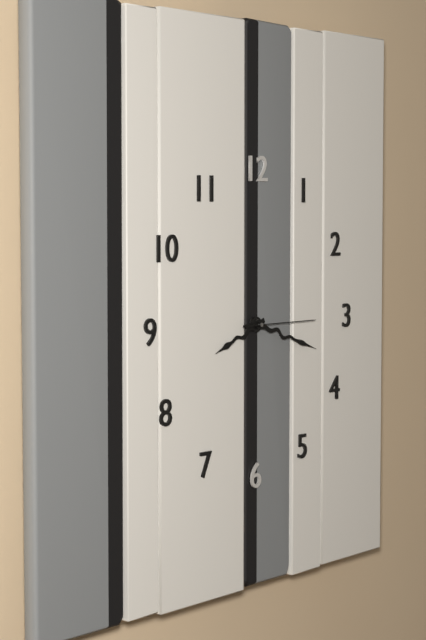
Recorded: h=8 m=18 s=15
